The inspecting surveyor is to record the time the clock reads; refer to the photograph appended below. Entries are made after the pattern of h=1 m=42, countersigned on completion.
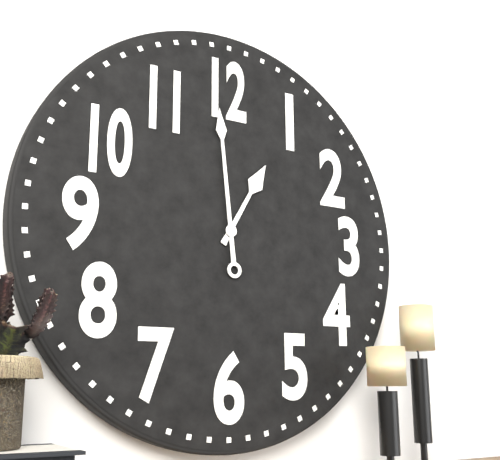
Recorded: h=12 m=59
